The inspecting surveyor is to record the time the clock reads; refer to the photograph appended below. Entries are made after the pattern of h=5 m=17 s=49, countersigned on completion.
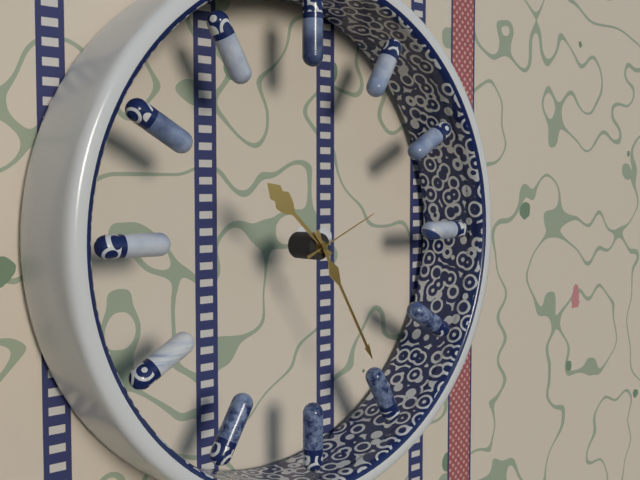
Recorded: h=10 m=25 s=11
